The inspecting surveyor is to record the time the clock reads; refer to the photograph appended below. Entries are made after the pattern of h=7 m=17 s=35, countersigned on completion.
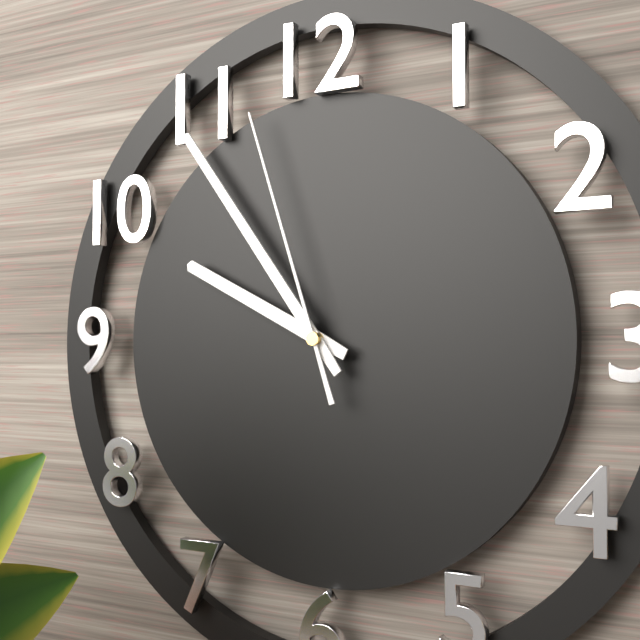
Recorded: h=9 m=54 s=57
